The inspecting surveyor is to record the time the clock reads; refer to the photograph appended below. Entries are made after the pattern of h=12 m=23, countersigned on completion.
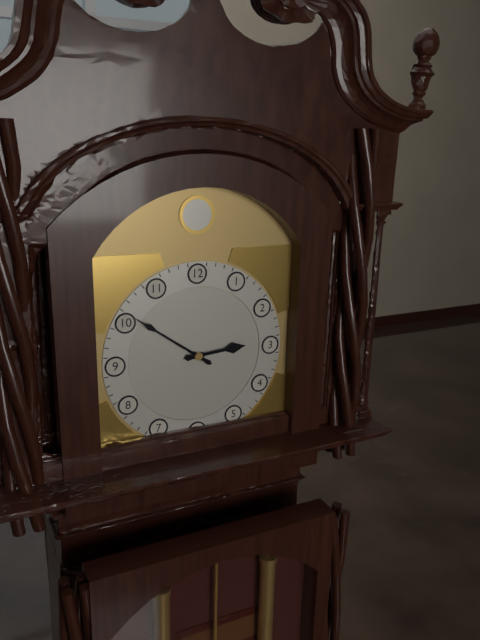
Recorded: h=2 m=51
